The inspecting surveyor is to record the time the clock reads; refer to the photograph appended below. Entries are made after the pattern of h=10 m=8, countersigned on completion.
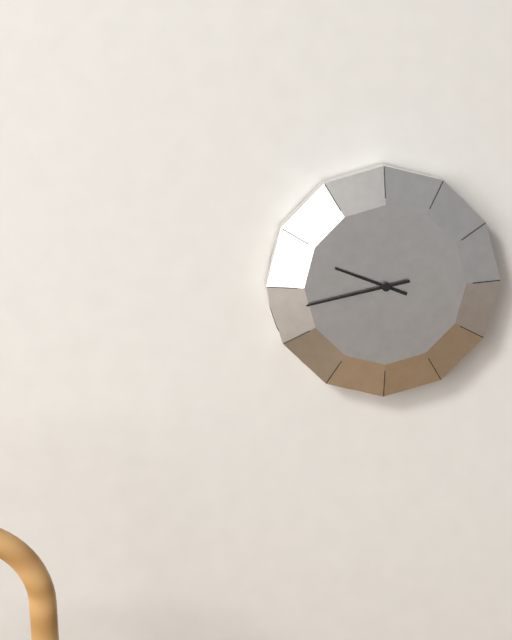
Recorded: h=9 m=43
